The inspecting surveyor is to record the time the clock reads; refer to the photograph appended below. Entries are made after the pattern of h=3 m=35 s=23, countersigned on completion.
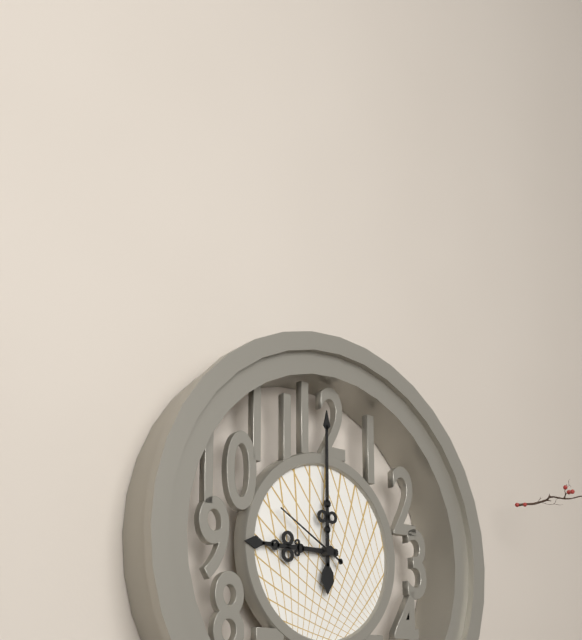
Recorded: h=9 m=0 s=50
